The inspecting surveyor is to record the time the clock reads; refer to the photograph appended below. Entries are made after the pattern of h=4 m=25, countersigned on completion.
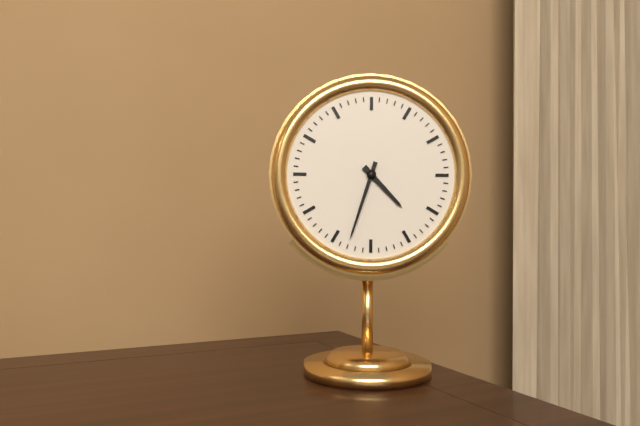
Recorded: h=4 m=33
